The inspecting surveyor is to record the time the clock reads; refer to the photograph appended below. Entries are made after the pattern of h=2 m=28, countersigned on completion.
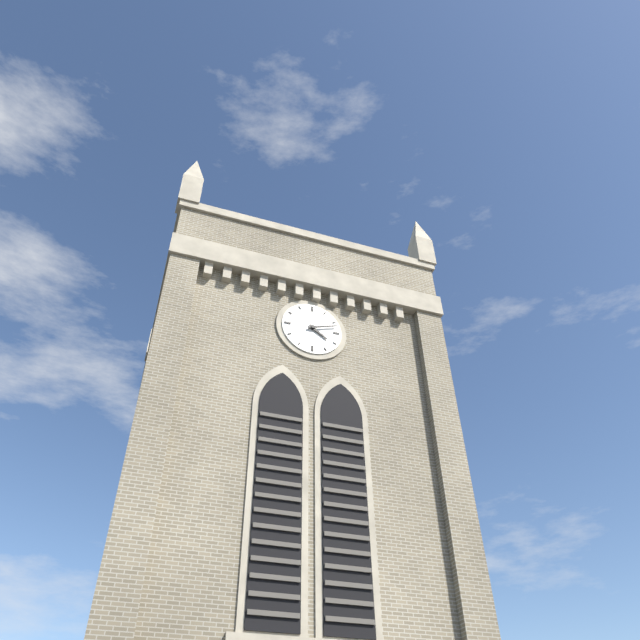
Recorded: h=4 m=12
